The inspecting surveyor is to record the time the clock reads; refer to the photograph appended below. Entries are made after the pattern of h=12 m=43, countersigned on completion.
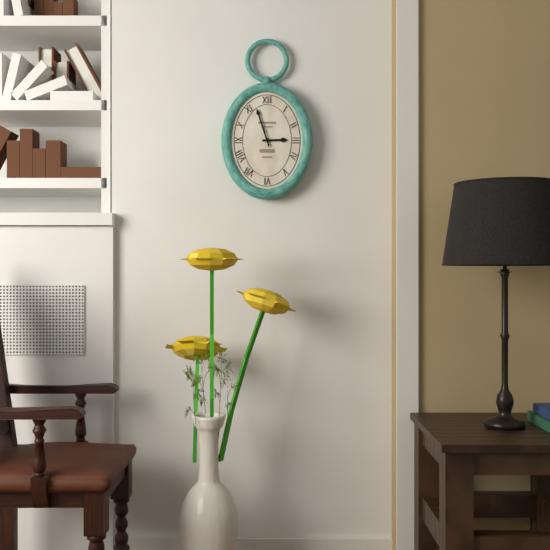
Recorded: h=2 m=57
